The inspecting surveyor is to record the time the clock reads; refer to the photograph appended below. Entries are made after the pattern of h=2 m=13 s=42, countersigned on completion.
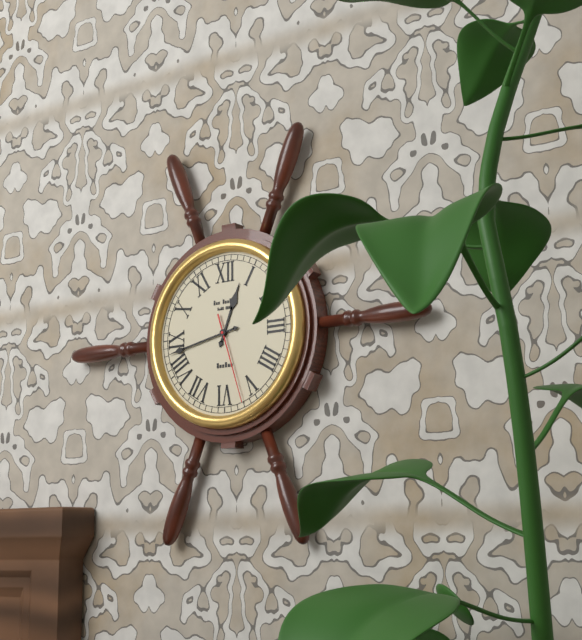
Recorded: h=12 m=43 s=27
